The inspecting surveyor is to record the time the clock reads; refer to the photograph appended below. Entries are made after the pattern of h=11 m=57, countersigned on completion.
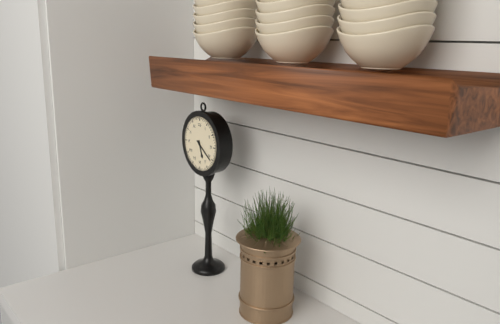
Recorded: h=5 m=21
